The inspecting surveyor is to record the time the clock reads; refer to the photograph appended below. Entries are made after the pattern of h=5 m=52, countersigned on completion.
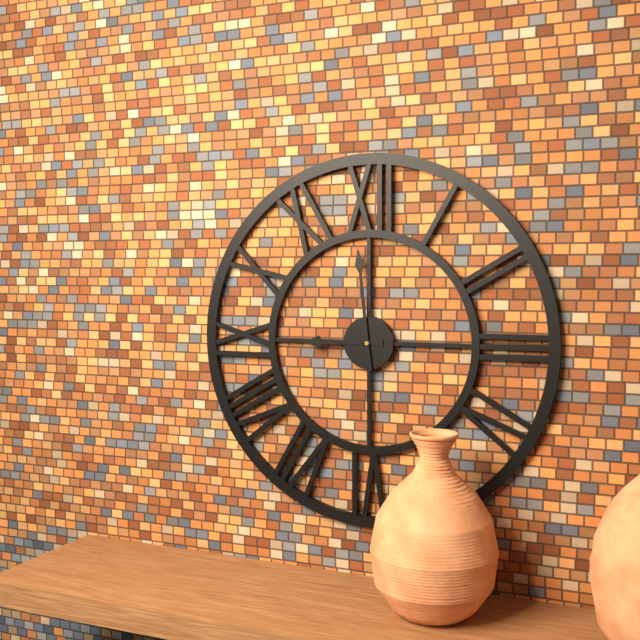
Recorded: h=8 m=59
